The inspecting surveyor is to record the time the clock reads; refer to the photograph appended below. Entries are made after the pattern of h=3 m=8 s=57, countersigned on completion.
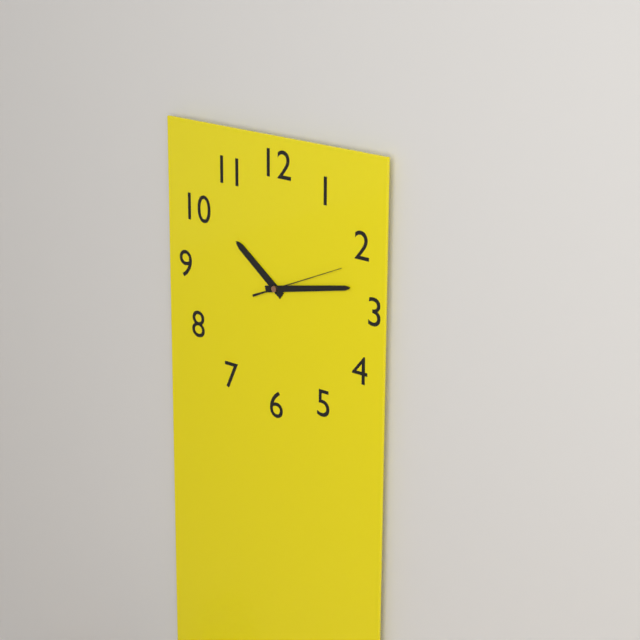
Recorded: h=10 m=13 s=11
